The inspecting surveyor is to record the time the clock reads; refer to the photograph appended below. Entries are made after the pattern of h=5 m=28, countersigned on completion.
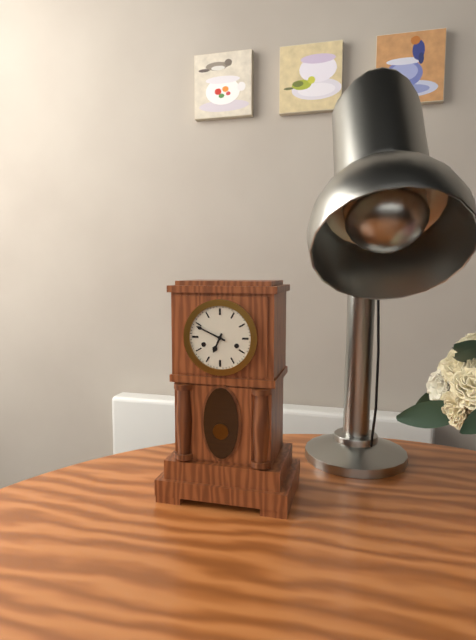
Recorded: h=6 m=49
